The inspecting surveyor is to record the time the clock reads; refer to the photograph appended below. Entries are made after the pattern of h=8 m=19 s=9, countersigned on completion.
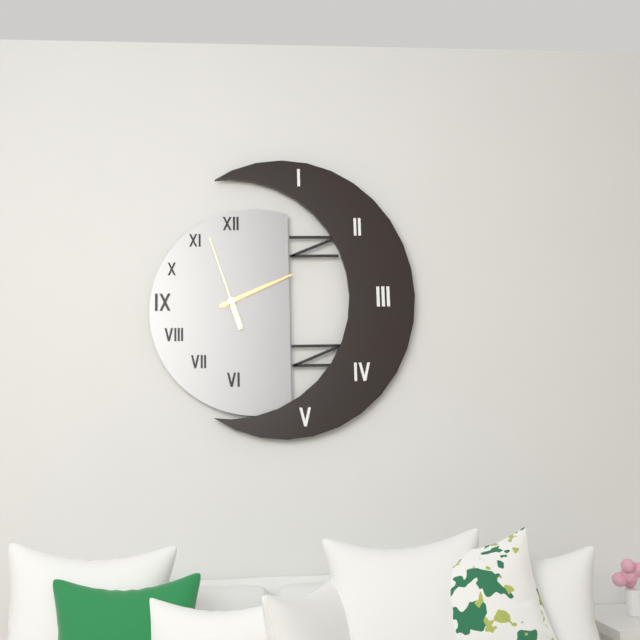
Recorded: h=2 m=11 s=57
